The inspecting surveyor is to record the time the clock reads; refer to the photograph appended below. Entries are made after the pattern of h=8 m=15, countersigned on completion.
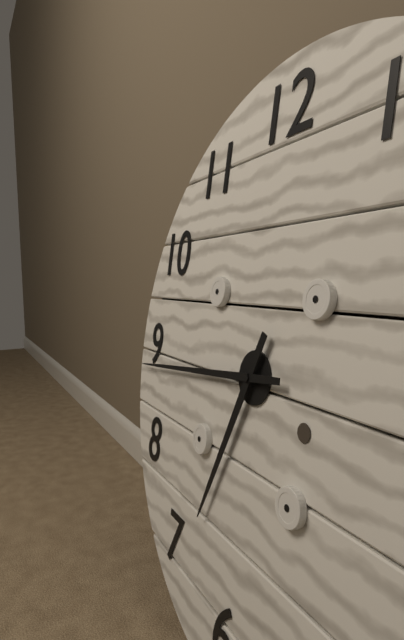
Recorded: h=6 m=44
